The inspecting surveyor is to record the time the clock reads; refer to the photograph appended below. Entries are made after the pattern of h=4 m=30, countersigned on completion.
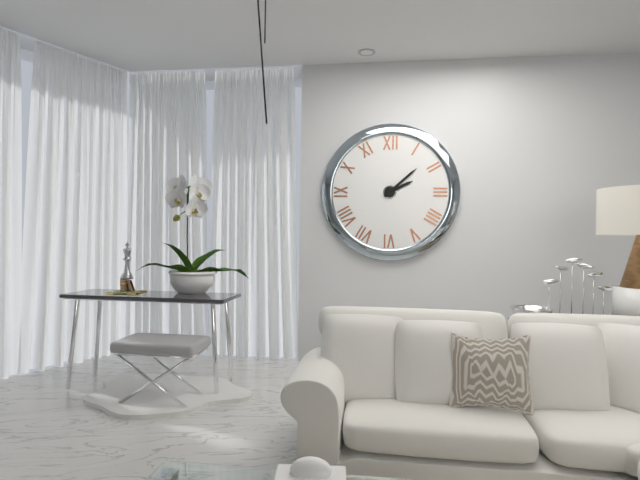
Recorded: h=2 m=8
